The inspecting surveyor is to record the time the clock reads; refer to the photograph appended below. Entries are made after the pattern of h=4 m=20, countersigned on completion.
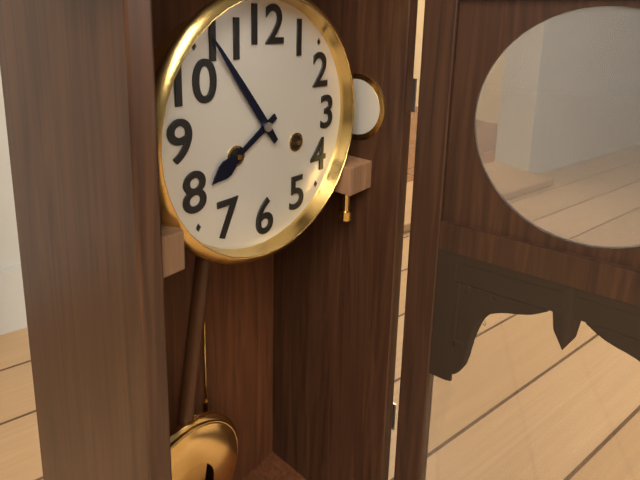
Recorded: h=7 m=54
